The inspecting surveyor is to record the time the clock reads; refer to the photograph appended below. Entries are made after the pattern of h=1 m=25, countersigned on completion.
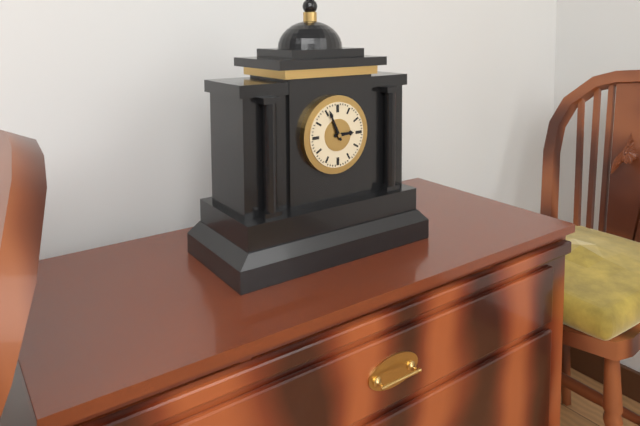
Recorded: h=2 m=56
